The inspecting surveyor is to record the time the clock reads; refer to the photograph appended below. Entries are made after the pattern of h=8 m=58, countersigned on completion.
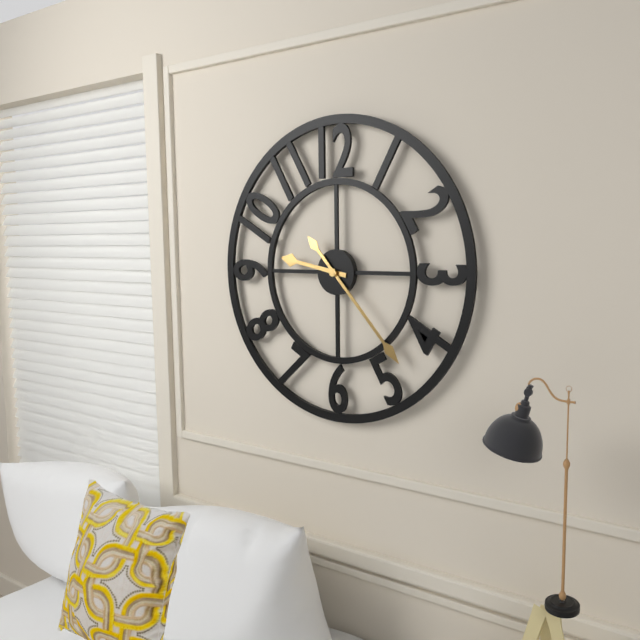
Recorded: h=9 m=23
